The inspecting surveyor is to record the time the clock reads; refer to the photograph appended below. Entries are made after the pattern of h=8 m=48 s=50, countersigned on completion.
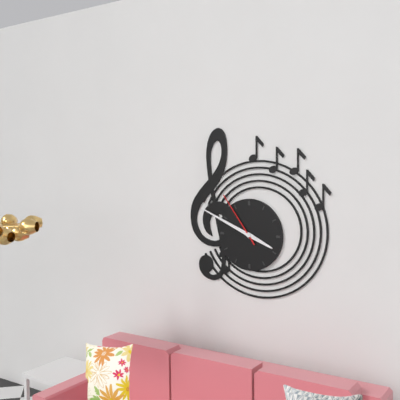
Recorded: h=3 m=49 s=54
